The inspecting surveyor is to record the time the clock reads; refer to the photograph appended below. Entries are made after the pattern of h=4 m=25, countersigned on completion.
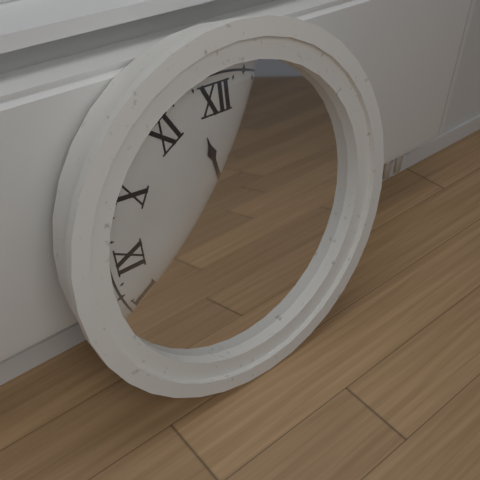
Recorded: h=11 m=39
